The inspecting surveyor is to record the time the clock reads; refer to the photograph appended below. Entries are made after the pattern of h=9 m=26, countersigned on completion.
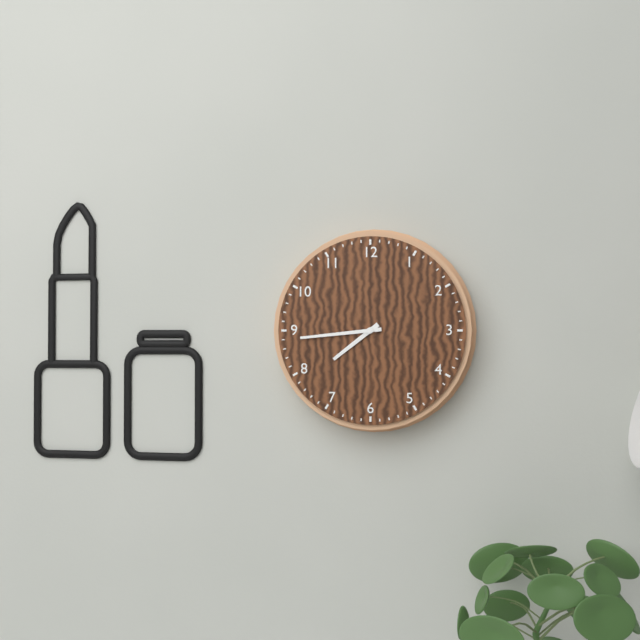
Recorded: h=7 m=44
